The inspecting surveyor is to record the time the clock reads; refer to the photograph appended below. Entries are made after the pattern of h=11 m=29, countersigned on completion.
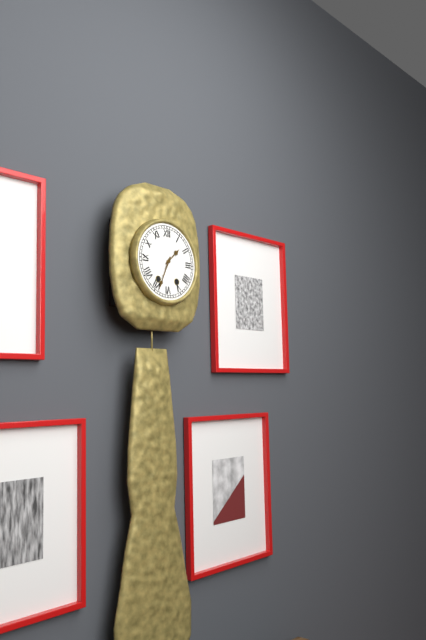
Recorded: h=1 m=34
